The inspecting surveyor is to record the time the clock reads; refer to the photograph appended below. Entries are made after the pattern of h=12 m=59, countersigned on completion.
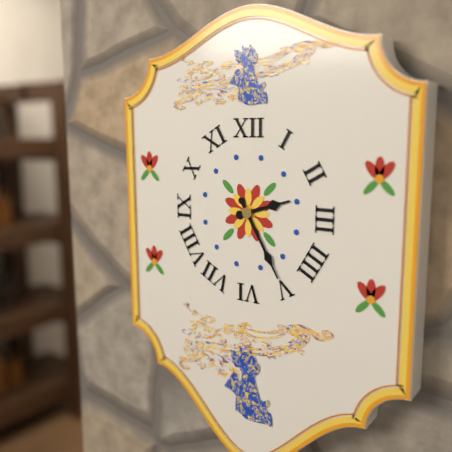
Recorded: h=2 m=25
